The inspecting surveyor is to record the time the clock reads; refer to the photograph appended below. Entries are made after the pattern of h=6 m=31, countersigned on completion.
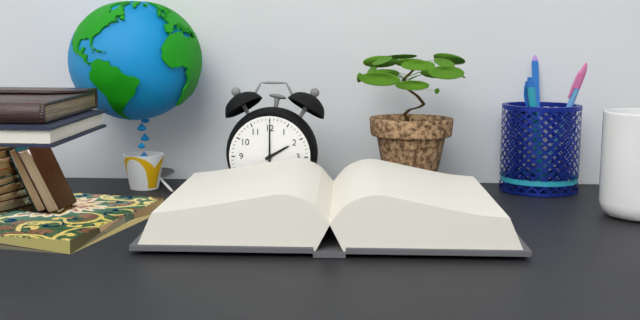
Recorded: h=2 m=0
